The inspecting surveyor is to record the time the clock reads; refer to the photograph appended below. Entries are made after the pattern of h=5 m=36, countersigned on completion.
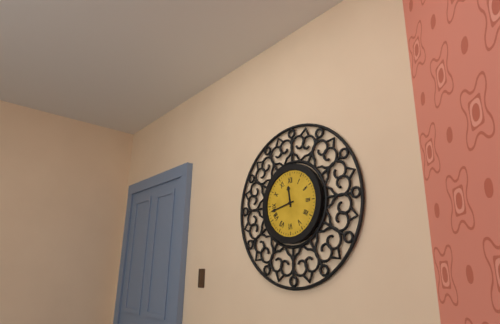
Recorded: h=11 m=43
